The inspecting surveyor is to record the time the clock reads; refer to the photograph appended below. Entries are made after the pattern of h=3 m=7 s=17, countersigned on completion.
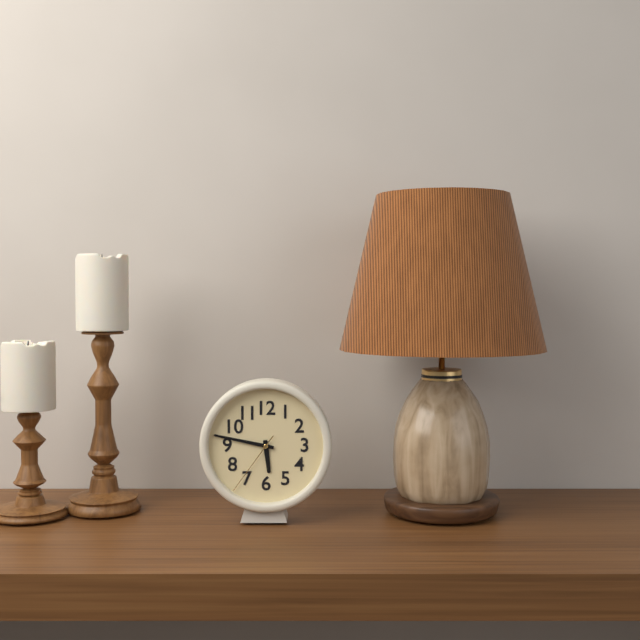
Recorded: h=5 m=47 s=36
